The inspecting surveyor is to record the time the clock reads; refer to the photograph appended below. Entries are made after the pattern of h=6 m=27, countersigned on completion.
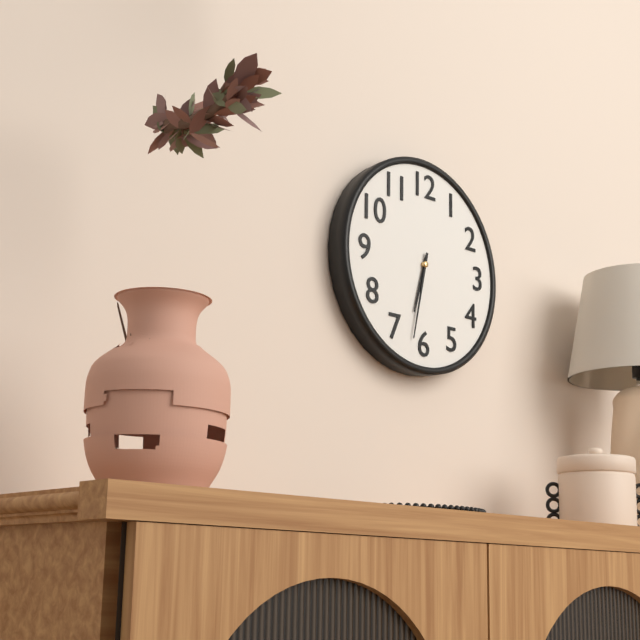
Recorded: h=6 m=32
